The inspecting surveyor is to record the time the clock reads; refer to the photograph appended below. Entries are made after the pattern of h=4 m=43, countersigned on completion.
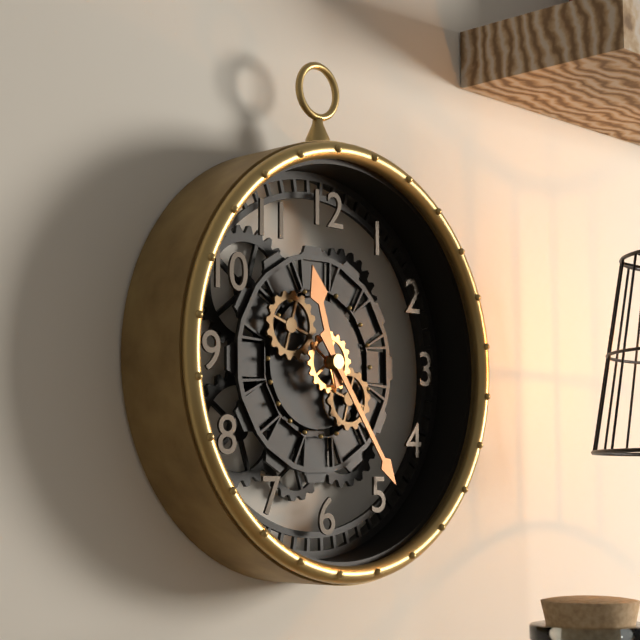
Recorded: h=11 m=24
